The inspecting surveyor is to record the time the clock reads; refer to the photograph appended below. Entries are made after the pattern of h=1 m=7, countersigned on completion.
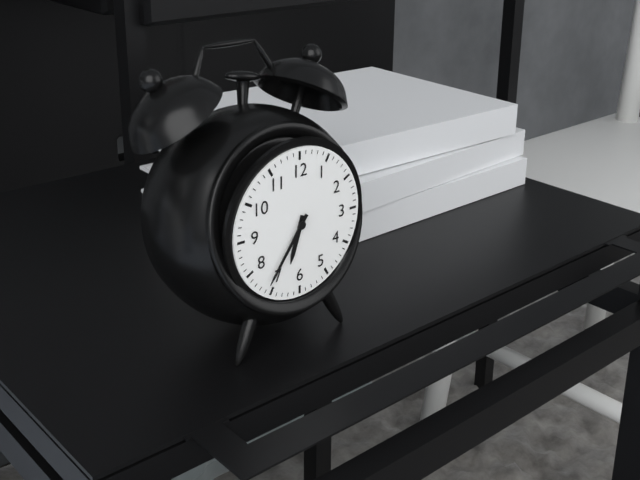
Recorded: h=6 m=36
